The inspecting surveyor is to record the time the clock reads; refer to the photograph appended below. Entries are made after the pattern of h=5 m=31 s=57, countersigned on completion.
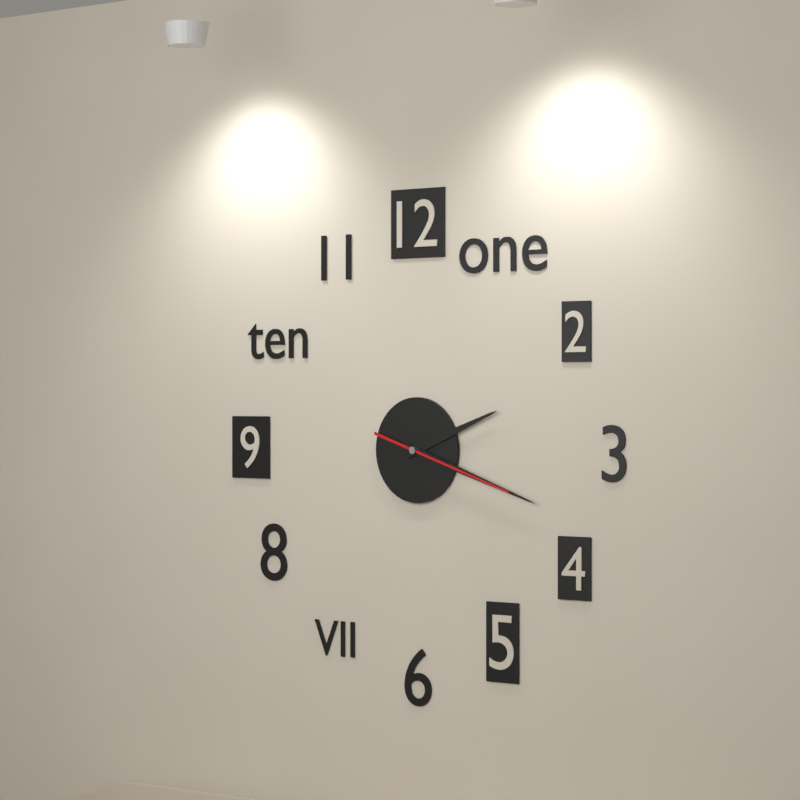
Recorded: h=2 m=18 s=18
